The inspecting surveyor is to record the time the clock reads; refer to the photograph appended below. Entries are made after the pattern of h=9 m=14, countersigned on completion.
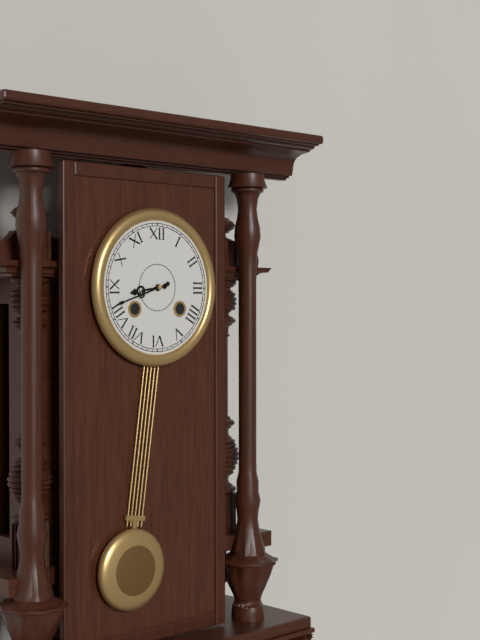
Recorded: h=8 m=42
